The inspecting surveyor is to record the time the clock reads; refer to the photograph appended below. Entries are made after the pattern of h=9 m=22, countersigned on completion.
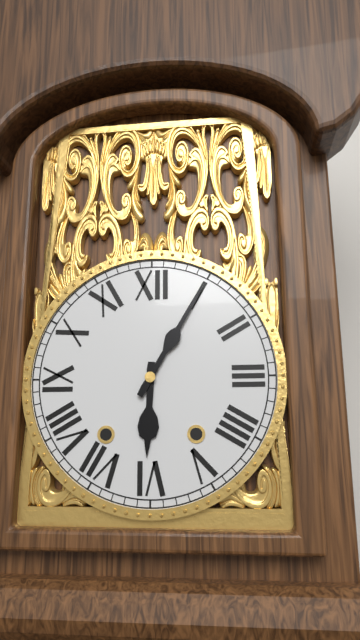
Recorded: h=6 m=5
